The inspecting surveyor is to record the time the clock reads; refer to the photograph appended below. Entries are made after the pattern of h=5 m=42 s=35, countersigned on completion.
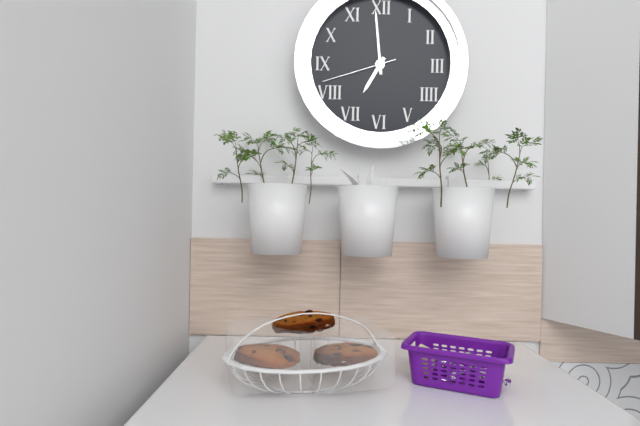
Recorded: h=6 m=59 s=42
